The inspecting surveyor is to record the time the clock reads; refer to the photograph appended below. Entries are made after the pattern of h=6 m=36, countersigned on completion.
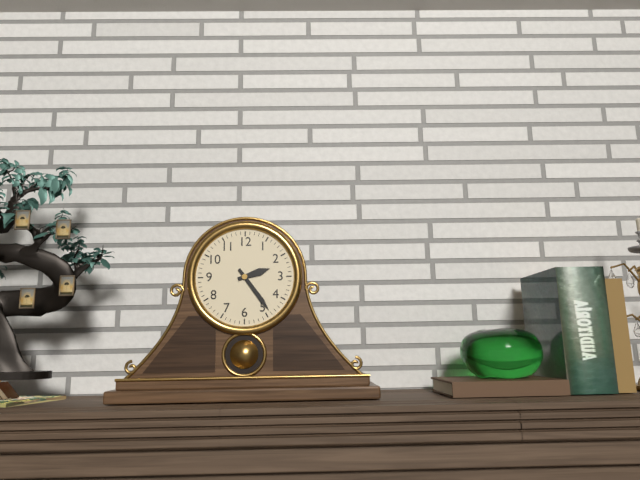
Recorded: h=2 m=24
